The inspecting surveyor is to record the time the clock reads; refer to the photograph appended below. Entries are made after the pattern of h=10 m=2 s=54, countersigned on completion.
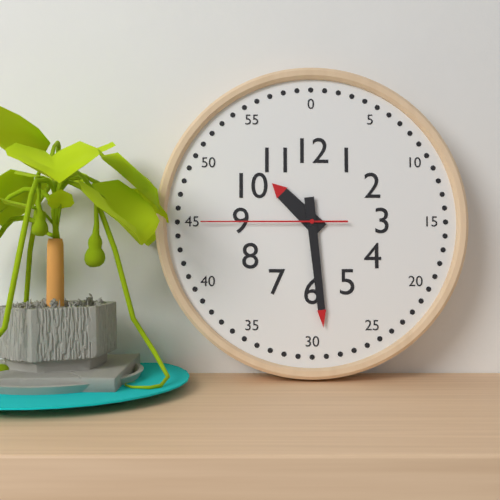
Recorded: h=10 m=29 s=45
